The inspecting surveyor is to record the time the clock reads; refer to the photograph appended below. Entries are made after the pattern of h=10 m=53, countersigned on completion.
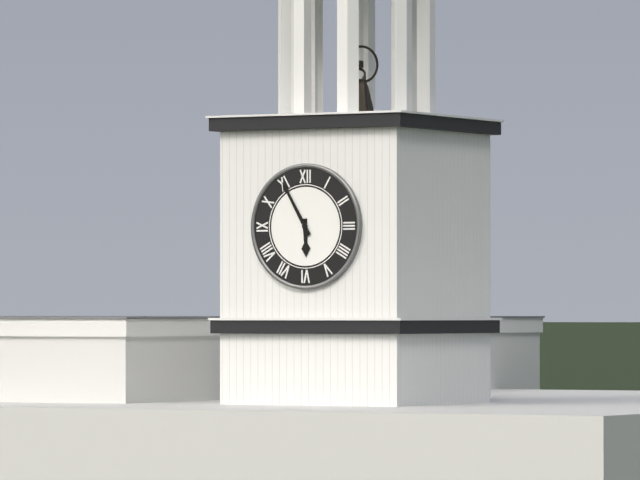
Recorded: h=5 m=55
